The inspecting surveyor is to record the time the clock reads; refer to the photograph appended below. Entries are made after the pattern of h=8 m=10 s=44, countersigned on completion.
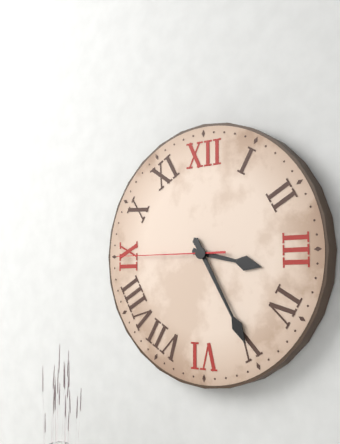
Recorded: h=3 m=25 s=45
